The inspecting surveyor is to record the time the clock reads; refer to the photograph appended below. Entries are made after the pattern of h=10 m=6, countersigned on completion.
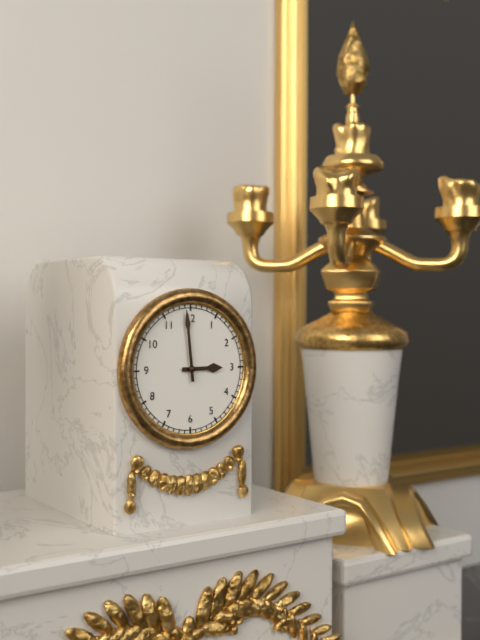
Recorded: h=2 m=59
